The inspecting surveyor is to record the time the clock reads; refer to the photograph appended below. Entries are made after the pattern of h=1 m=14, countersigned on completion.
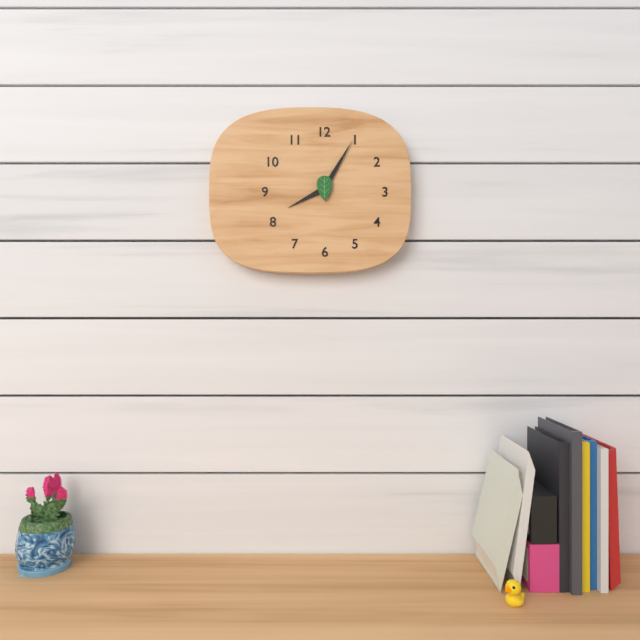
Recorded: h=8 m=5
